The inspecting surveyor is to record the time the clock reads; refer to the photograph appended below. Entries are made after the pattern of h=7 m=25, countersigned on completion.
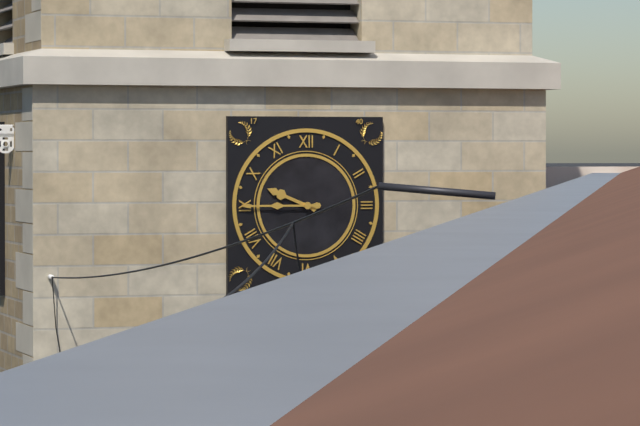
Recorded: h=9 m=45
